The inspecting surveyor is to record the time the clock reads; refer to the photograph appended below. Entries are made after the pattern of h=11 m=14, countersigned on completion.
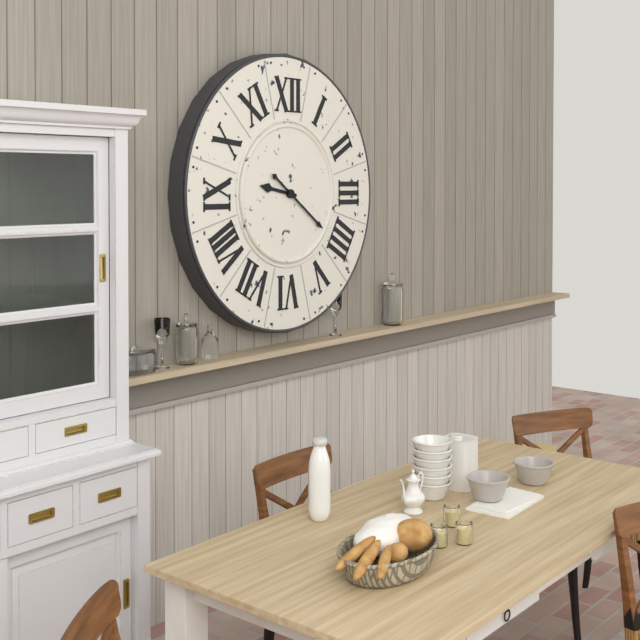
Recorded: h=9 m=21
